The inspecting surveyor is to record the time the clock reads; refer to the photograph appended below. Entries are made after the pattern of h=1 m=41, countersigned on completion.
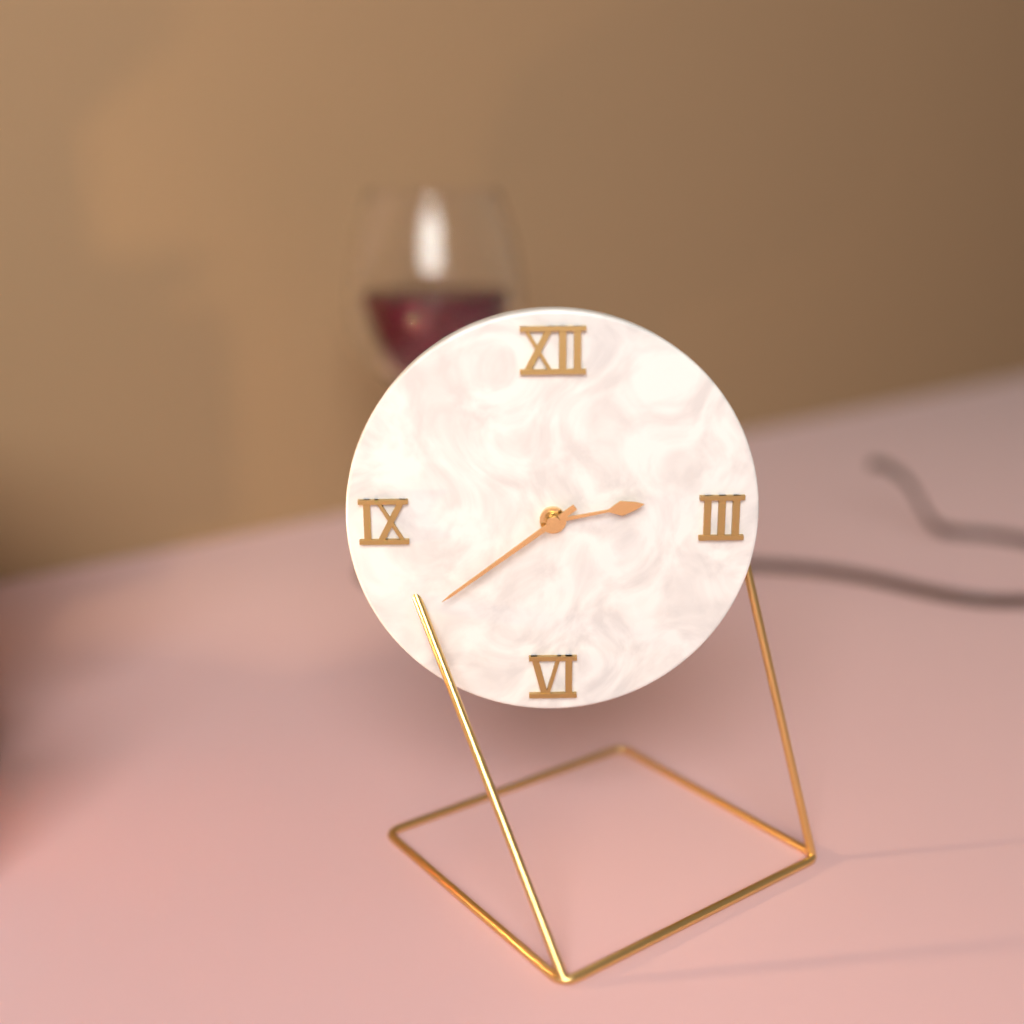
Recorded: h=2 m=39
